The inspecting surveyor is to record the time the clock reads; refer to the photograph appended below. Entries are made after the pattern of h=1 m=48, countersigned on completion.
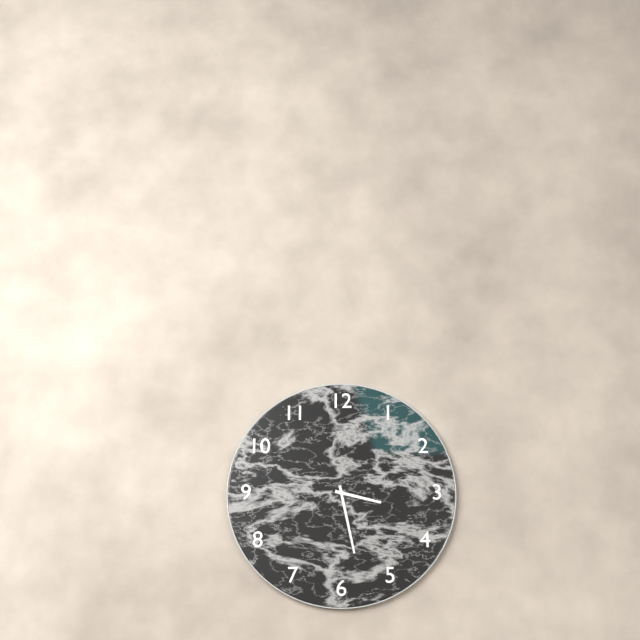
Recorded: h=3 m=28
